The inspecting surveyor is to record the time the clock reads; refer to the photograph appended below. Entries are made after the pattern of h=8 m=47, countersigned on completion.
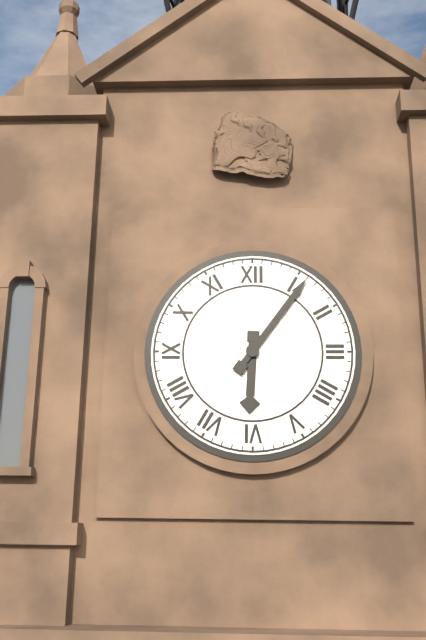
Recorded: h=6 m=6
